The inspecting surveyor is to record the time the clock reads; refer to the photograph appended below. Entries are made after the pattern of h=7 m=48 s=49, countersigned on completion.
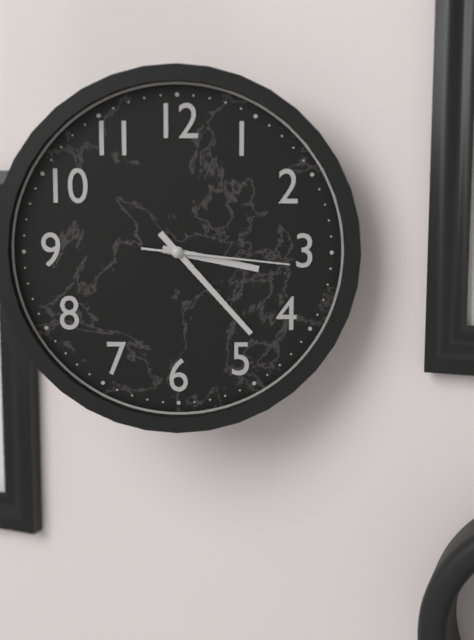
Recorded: h=3 m=23 s=16
